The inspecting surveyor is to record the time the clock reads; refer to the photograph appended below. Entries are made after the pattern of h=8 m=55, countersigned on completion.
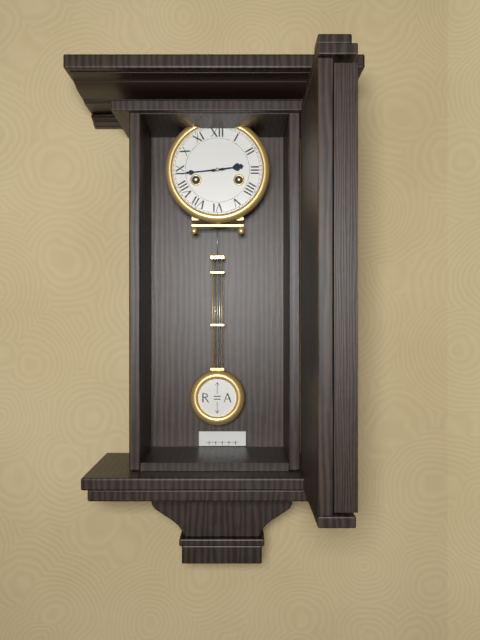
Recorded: h=2 m=44
